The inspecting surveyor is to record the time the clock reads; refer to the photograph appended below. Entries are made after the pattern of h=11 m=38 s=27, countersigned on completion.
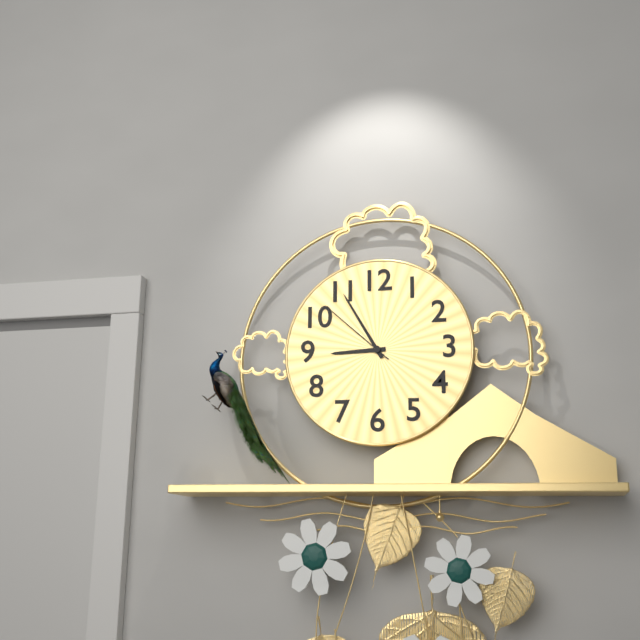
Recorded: h=8 m=55 s=52
